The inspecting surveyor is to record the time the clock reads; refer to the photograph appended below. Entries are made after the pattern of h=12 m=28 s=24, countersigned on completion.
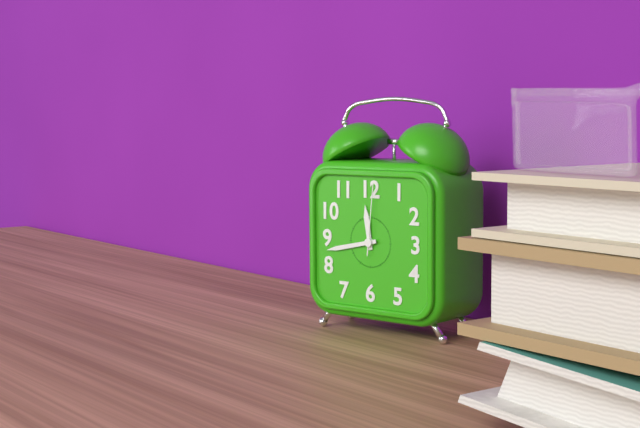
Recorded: h=11 m=43 s=1
